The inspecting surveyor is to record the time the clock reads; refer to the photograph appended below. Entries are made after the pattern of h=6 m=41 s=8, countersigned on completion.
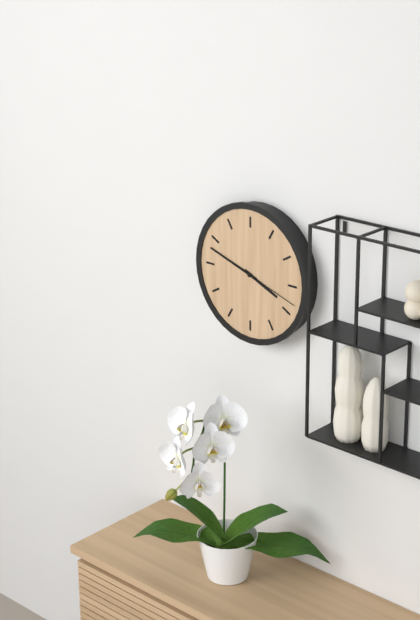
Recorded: h=3 m=48 s=18
